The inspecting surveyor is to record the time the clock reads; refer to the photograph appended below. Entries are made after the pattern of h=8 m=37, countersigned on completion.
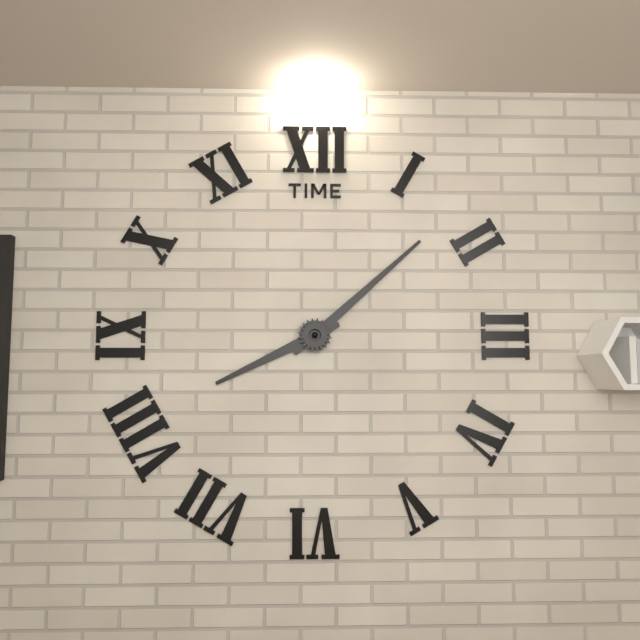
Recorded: h=8 m=8
